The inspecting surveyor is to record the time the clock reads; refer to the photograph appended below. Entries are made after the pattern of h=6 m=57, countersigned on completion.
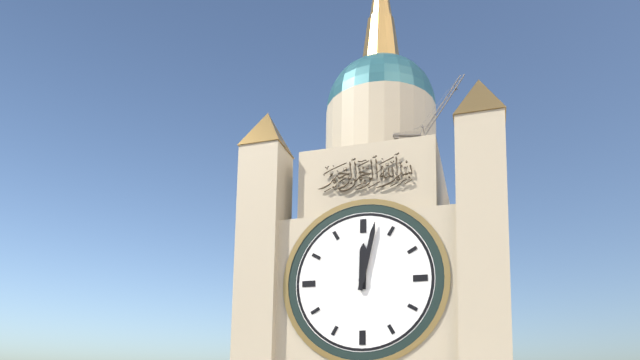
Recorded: h=12 m=2
